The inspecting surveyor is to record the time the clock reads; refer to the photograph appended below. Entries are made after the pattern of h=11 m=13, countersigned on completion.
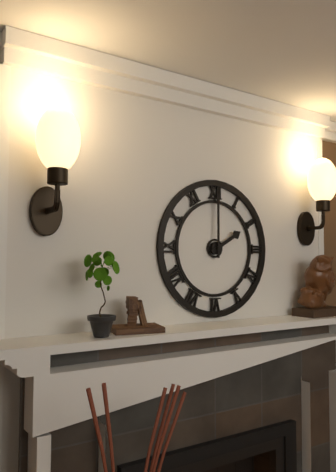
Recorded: h=2 m=0
